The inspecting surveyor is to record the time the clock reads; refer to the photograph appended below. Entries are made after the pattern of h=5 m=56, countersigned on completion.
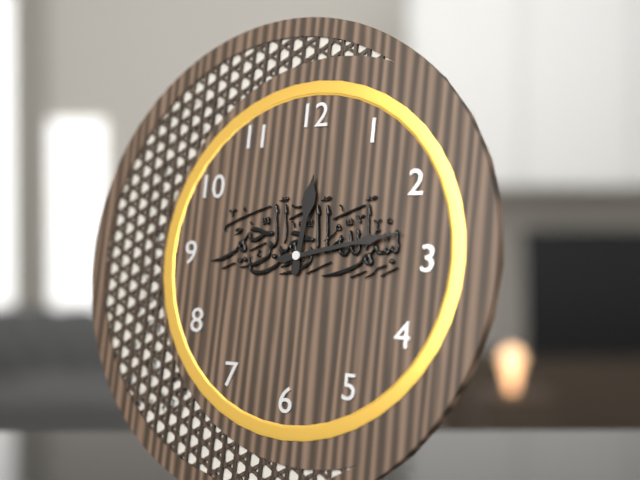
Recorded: h=12 m=13
